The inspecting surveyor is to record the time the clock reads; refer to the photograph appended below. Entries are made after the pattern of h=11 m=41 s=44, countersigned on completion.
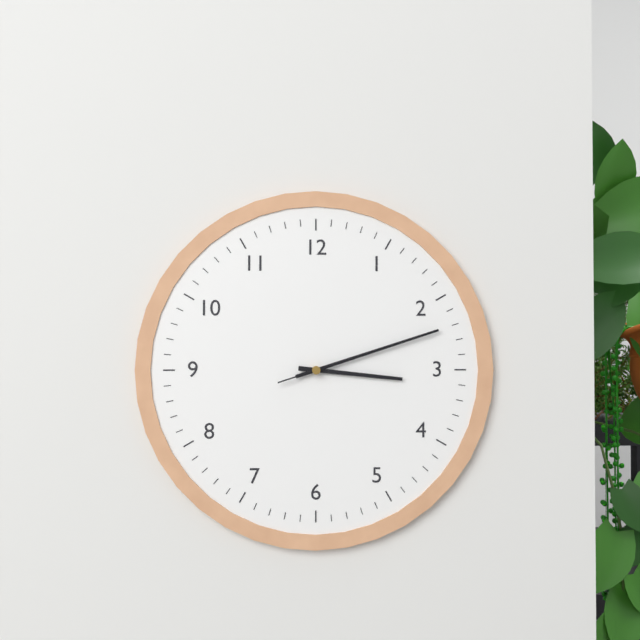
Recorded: h=3 m=12 s=12
